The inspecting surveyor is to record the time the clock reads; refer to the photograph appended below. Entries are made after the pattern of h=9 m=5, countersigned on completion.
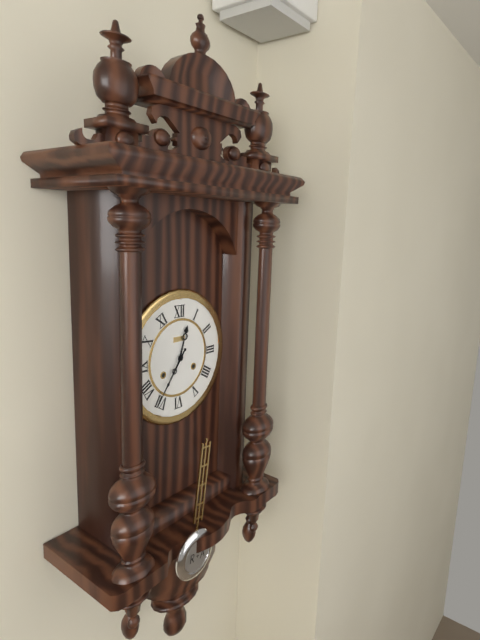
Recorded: h=12 m=36
